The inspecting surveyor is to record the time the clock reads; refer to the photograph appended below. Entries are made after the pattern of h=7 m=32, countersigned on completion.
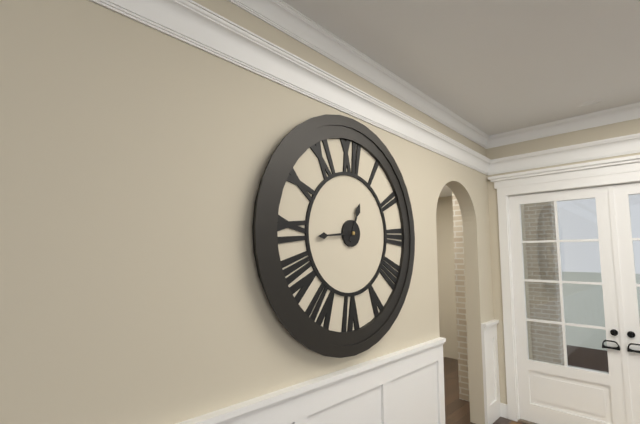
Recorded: h=12 m=44
